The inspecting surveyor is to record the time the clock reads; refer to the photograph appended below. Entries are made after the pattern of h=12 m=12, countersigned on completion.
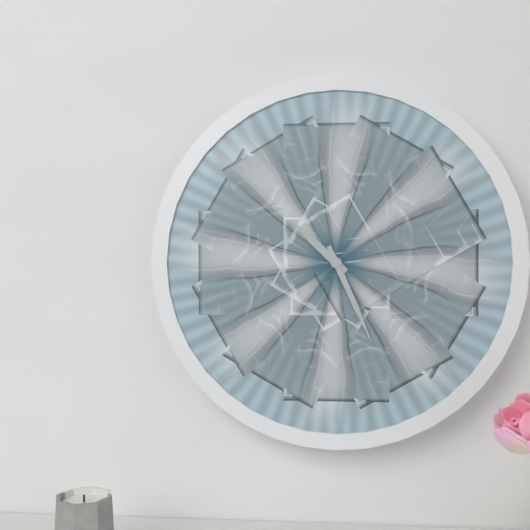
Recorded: h=10 m=26
